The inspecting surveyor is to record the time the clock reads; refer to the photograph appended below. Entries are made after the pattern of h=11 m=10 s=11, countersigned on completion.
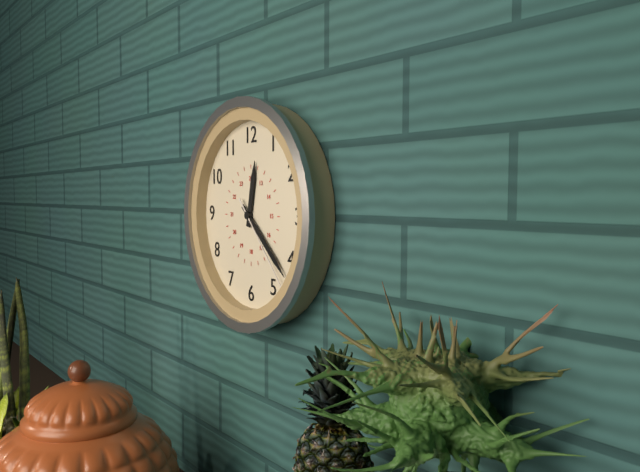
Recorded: h=12 m=22 s=23
